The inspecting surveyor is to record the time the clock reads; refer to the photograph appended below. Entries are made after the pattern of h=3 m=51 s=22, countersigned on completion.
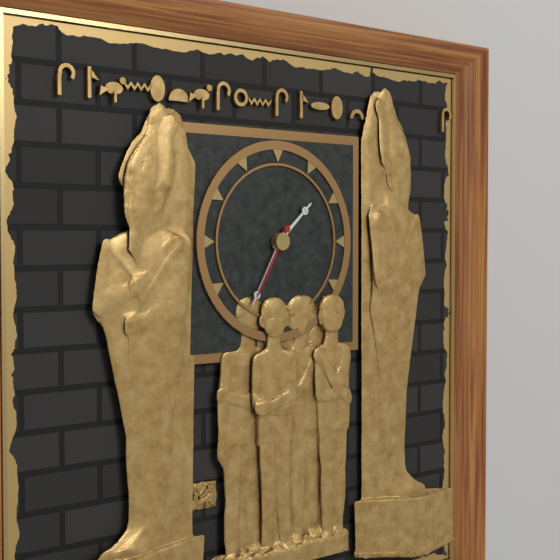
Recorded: h=1 m=35 s=35
